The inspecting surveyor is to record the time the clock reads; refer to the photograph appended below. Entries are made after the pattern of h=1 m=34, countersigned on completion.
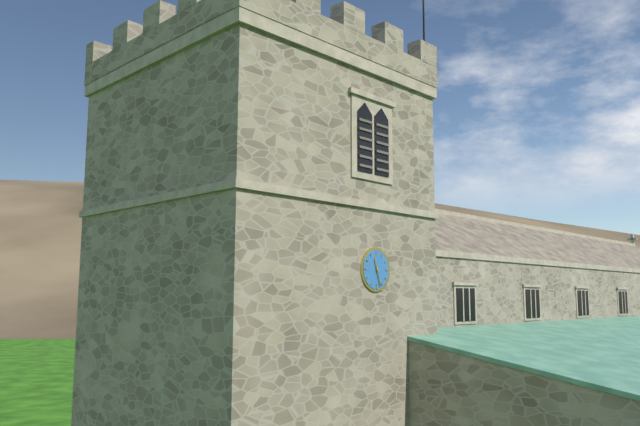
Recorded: h=11 m=27
